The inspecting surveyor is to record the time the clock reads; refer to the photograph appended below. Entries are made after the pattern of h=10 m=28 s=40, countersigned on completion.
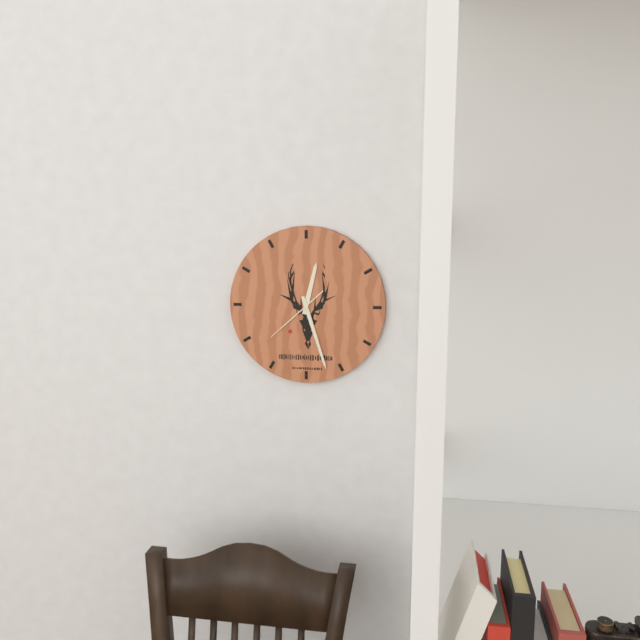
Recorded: h=12 m=27 s=38
